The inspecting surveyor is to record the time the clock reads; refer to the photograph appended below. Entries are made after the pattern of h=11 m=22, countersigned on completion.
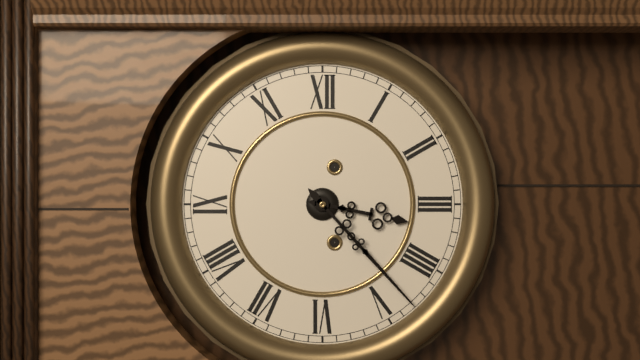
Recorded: h=3 m=23
